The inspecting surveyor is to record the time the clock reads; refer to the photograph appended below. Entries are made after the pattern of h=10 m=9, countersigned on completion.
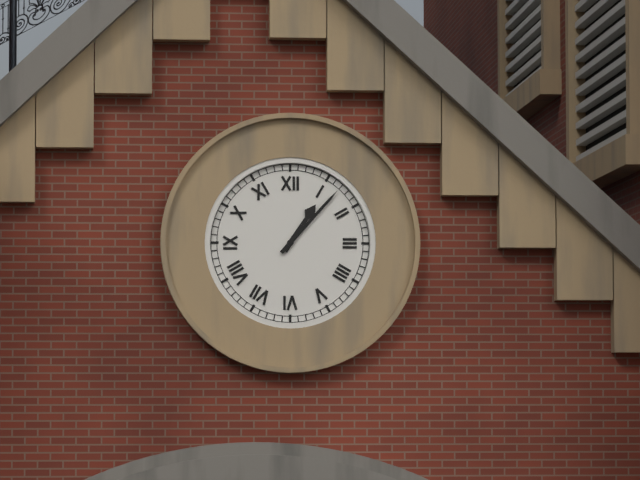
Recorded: h=1 m=7
